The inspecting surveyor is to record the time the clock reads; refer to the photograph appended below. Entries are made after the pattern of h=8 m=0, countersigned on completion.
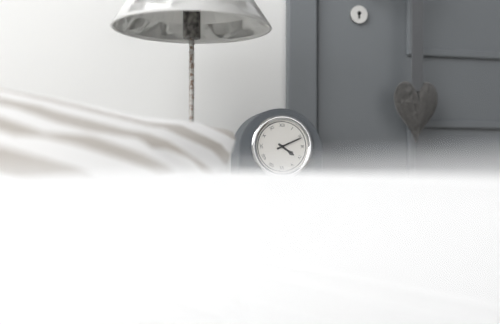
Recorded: h=4 m=11
